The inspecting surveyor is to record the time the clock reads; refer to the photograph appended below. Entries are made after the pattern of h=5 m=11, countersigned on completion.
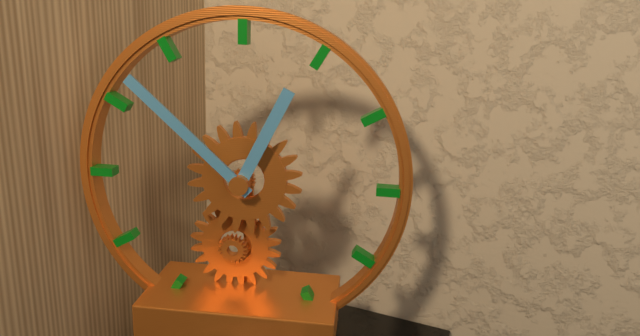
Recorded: h=12 m=52
